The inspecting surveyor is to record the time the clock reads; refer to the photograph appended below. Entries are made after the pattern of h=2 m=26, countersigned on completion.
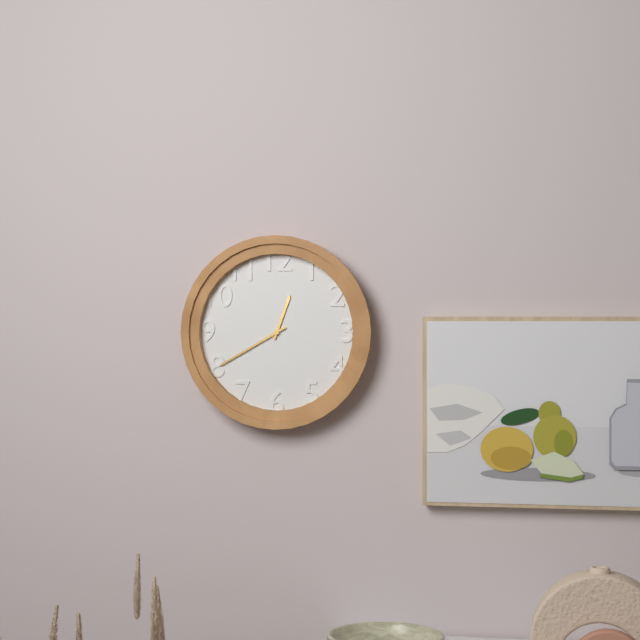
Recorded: h=12 m=40
